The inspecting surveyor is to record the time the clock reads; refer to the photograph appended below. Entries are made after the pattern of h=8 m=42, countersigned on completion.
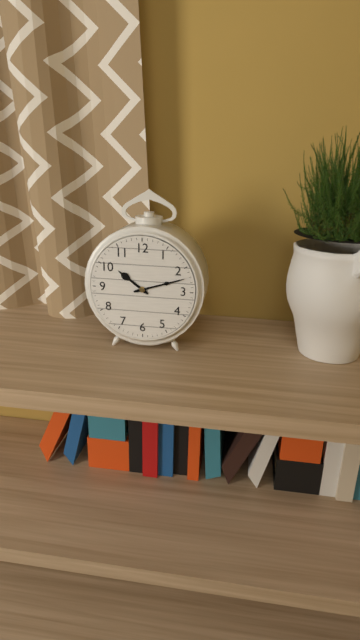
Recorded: h=10 m=12
